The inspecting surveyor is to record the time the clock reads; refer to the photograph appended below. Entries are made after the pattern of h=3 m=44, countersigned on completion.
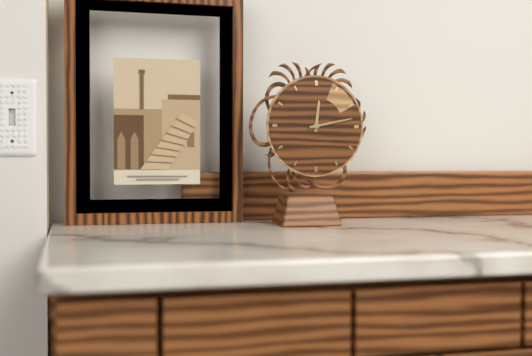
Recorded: h=12 m=13
